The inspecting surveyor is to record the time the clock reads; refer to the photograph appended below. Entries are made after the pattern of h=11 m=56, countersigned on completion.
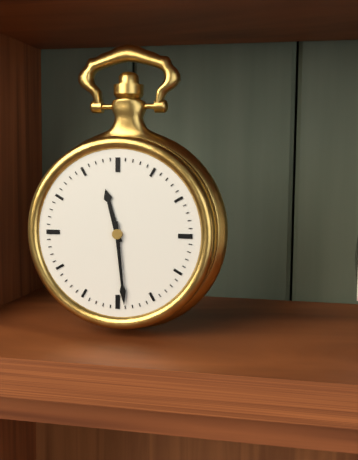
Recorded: h=11 m=29
